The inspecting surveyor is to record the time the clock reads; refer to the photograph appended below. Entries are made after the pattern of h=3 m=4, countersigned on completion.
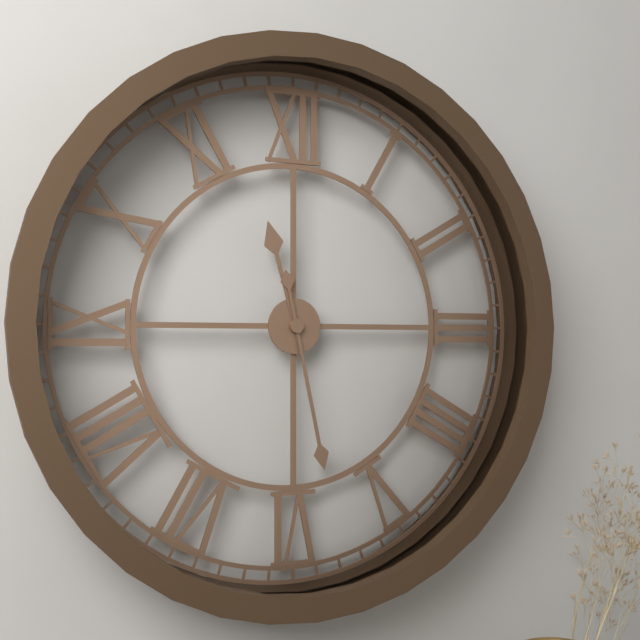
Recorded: h=11 m=28
